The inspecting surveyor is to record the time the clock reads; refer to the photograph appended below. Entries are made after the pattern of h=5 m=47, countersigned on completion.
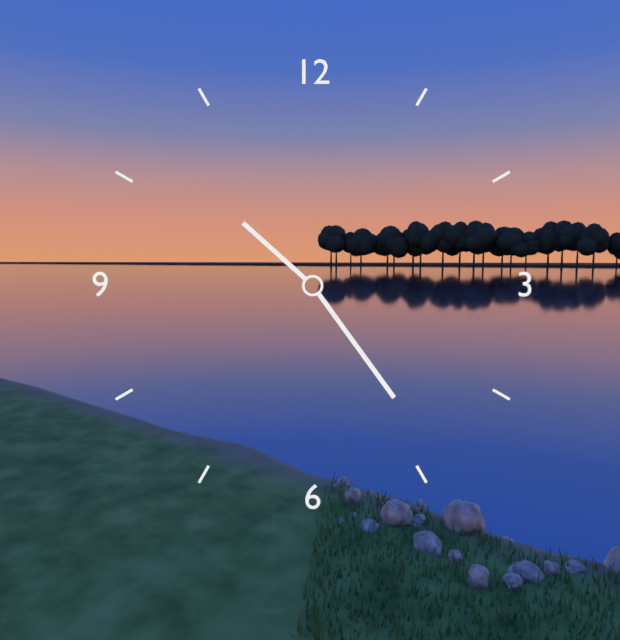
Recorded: h=10 m=24
